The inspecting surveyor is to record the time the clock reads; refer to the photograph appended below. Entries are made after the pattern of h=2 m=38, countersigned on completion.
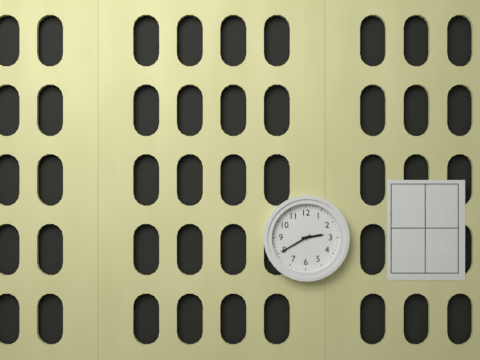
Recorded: h=2 m=40
